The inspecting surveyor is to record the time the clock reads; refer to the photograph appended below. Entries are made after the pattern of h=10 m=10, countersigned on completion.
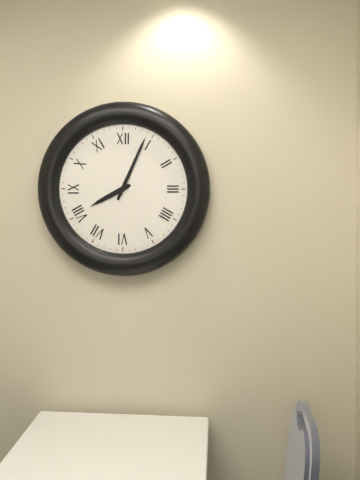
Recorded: h=8 m=4
